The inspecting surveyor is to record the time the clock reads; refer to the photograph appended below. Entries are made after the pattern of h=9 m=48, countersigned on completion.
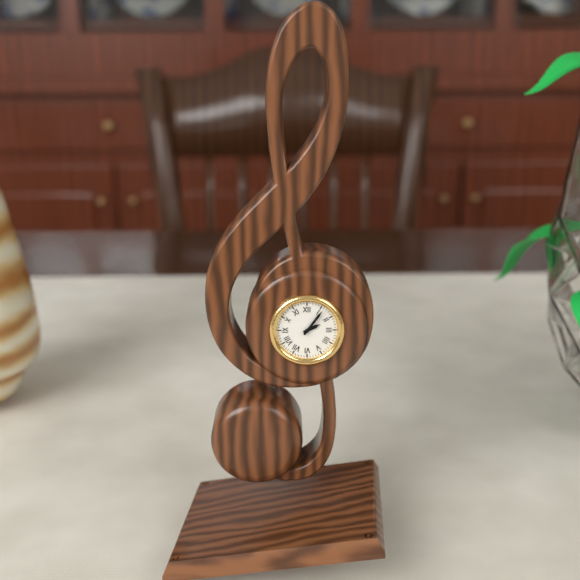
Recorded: h=2 m=6
